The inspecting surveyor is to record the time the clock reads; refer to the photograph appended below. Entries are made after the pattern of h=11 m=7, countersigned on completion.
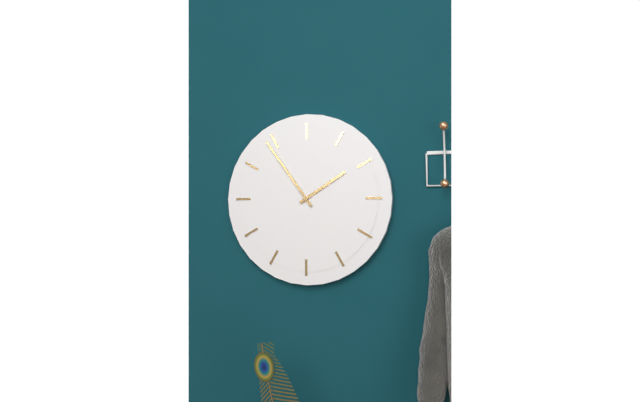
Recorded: h=1 m=54
